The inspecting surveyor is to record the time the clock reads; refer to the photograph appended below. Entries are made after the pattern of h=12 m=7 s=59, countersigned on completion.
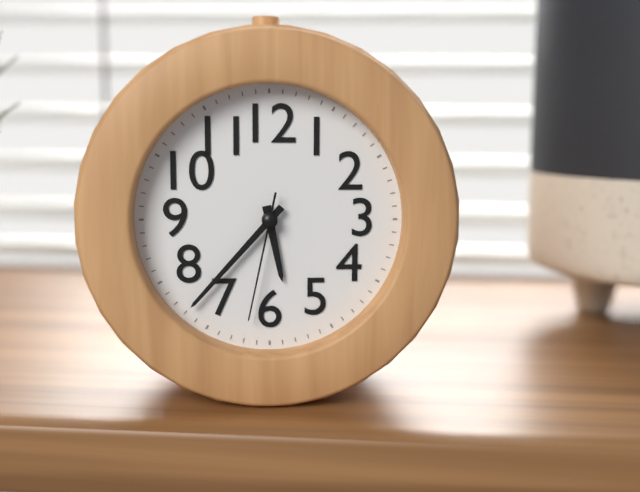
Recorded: h=5 m=37 s=32
